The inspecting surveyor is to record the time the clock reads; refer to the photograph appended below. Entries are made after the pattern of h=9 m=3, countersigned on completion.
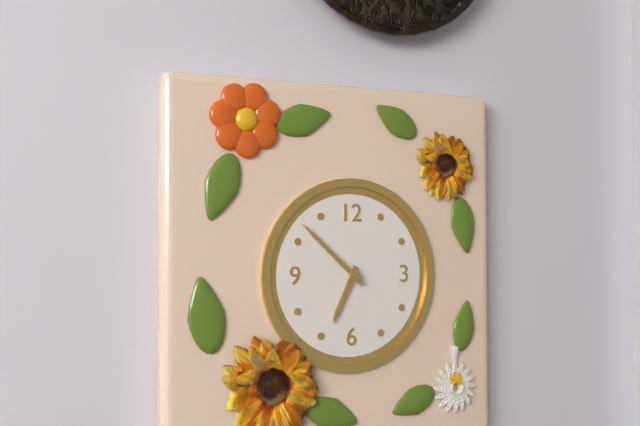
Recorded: h=6 m=52
